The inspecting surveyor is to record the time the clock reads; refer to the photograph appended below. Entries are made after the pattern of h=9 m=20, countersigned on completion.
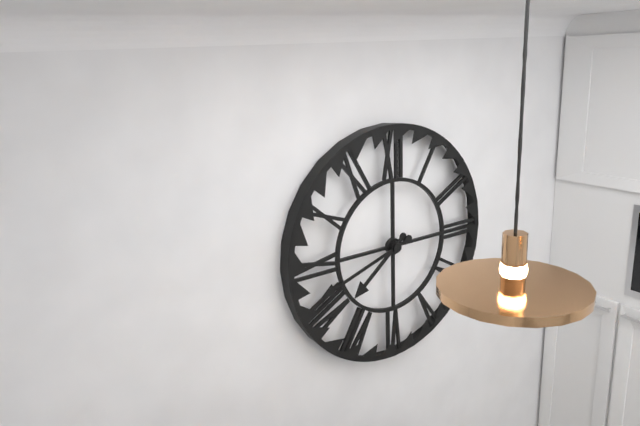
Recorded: h=7 m=42
